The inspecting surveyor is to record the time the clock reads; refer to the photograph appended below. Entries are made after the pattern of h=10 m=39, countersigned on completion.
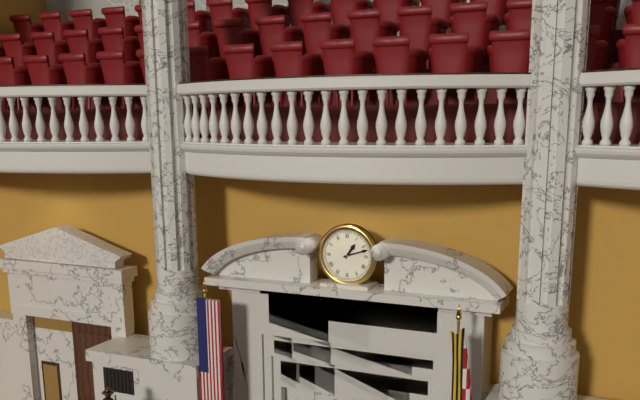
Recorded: h=1 m=12
